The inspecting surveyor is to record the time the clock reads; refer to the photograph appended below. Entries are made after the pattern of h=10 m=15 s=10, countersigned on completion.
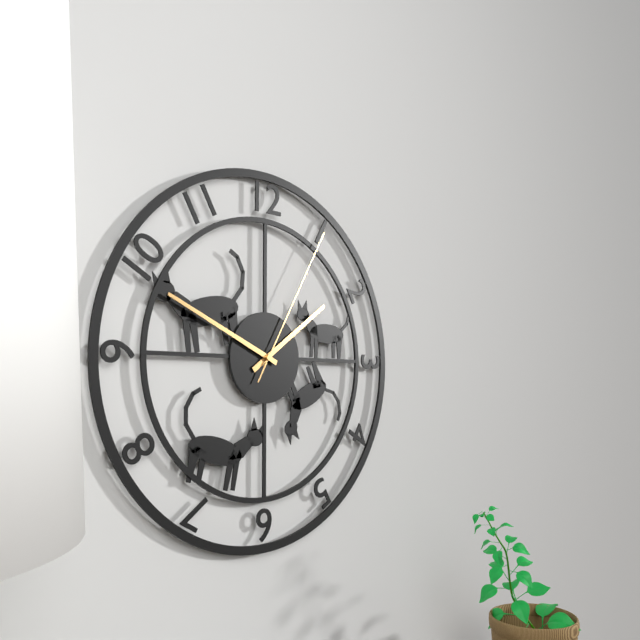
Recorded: h=1 m=49 s=5
